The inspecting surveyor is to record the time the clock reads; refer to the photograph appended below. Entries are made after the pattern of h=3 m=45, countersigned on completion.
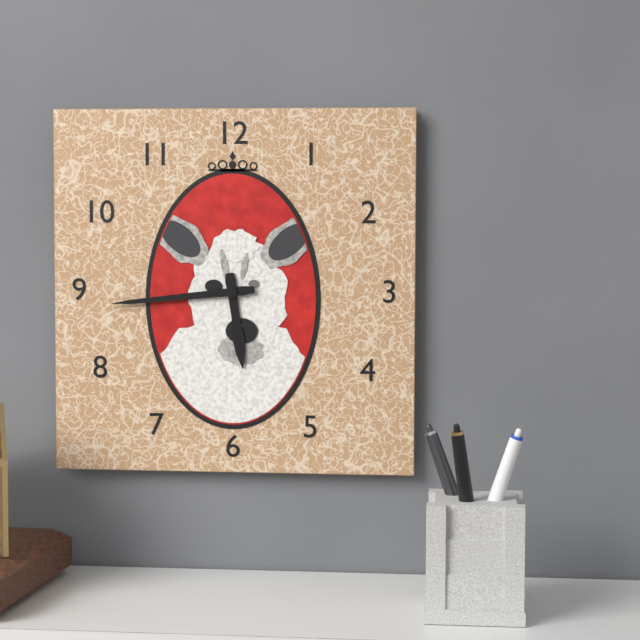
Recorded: h=5 m=44
